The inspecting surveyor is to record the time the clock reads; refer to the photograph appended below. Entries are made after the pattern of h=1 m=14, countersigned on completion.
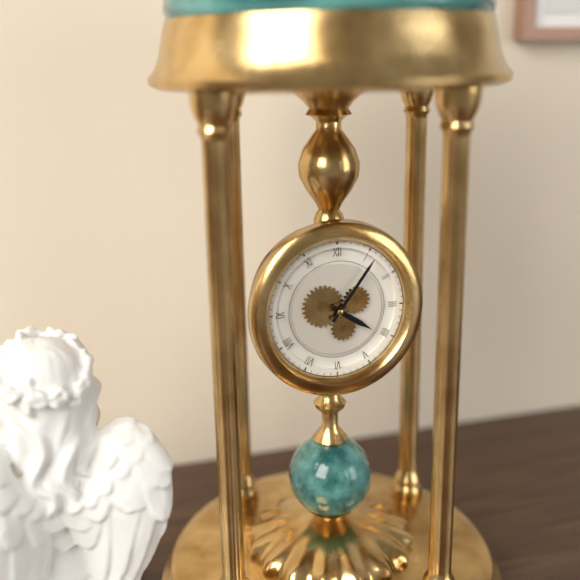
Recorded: h=4 m=6
